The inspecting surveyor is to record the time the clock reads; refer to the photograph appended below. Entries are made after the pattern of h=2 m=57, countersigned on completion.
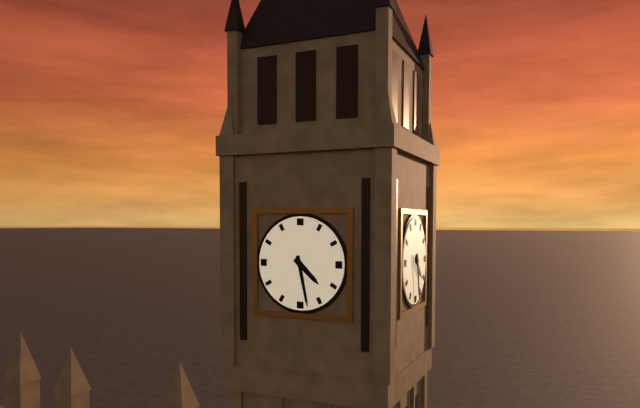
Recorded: h=4 m=28
